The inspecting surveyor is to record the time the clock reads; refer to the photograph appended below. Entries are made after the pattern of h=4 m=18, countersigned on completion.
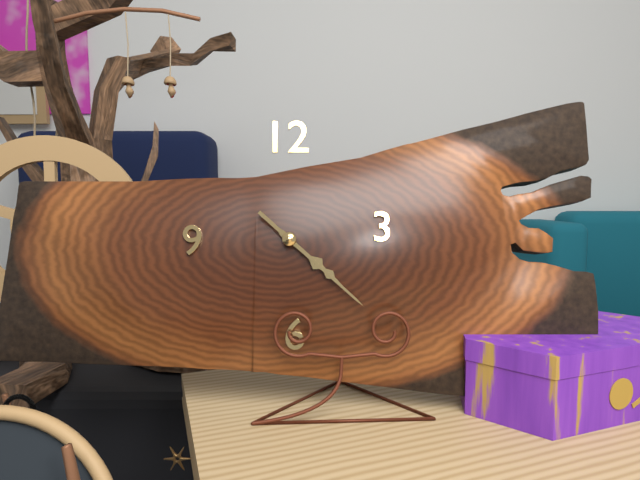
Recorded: h=4 m=22
